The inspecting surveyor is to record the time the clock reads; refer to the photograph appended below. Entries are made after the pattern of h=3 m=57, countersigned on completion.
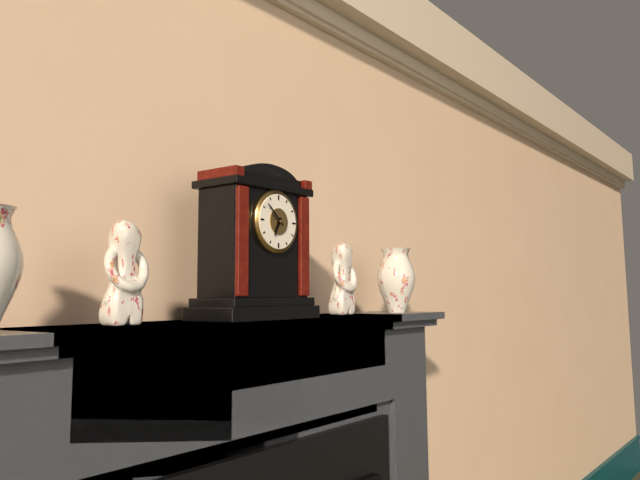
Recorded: h=6 m=52
